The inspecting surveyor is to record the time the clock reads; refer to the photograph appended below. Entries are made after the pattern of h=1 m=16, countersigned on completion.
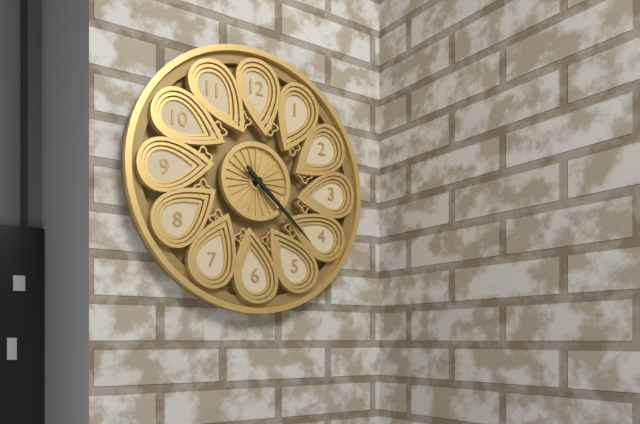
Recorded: h=4 m=22
